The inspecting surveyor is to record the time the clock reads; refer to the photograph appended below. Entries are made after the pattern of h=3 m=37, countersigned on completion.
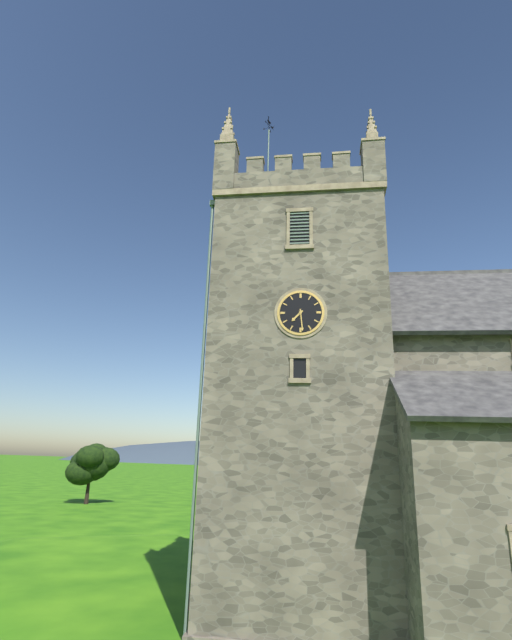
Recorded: h=7 m=29
